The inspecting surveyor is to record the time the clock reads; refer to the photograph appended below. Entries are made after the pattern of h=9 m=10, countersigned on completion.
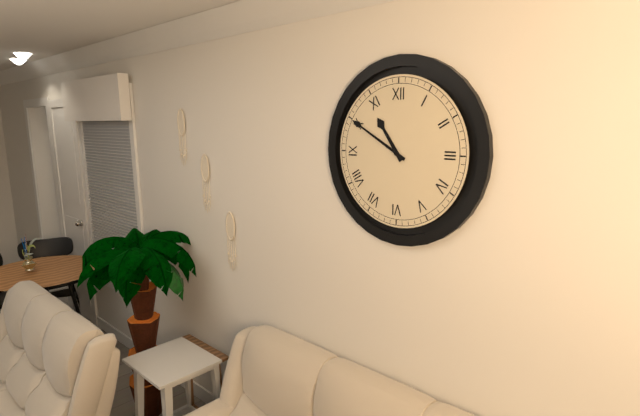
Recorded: h=10 m=50
